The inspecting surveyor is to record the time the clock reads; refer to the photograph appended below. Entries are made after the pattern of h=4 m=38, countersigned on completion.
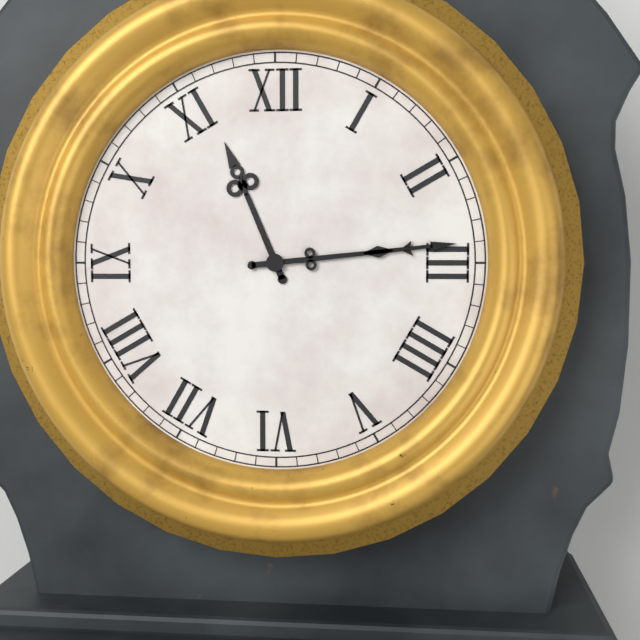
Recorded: h=11 m=14
